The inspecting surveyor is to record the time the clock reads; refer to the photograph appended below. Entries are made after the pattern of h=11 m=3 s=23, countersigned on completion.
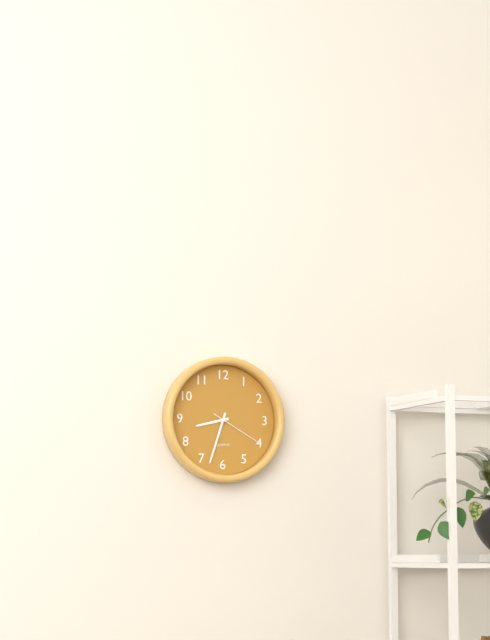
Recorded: h=8 m=33 s=20
